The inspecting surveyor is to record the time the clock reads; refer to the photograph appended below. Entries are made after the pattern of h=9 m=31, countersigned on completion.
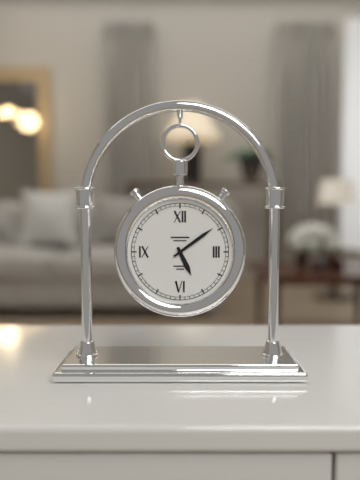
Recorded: h=5 m=9
